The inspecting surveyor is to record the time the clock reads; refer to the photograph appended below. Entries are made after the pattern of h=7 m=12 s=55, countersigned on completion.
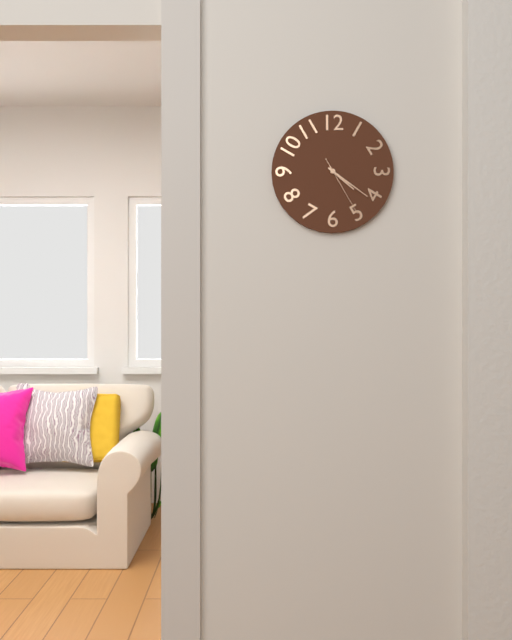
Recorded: h=4 m=21 s=25
